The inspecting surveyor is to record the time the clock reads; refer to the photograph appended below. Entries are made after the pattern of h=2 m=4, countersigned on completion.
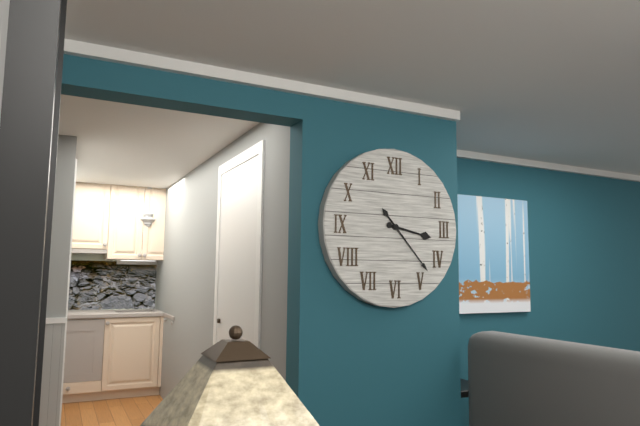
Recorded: h=3 m=23
